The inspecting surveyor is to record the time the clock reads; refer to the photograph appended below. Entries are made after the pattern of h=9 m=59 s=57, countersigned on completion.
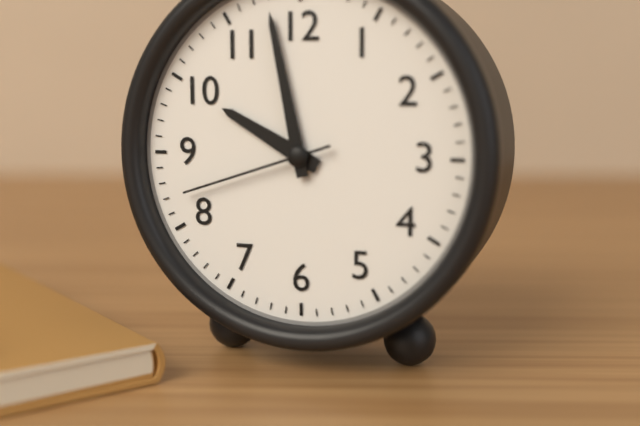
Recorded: h=9 m=58 s=42
